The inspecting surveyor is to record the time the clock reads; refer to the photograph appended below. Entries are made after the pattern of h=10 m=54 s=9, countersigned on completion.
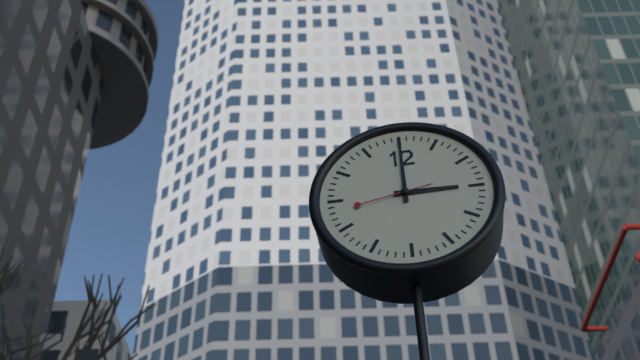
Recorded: h=3 m=0 s=43
